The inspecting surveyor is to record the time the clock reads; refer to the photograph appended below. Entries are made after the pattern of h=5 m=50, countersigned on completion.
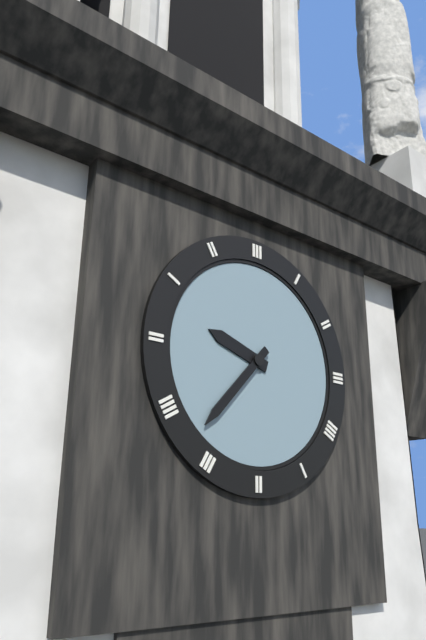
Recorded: h=9 m=37
